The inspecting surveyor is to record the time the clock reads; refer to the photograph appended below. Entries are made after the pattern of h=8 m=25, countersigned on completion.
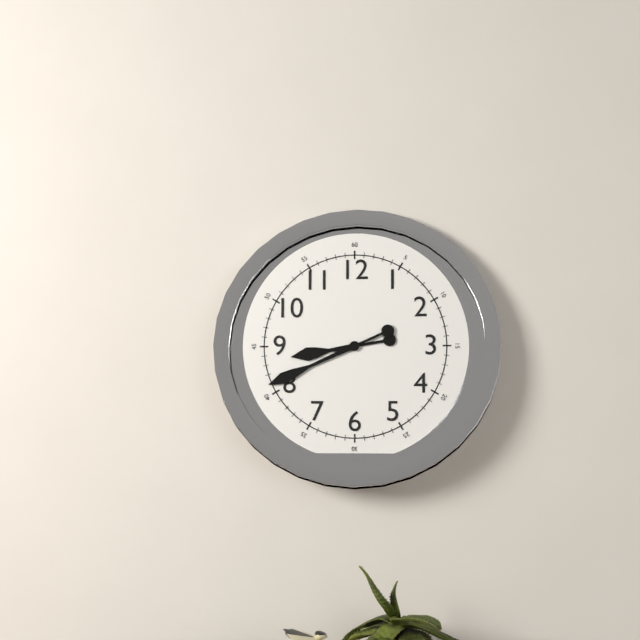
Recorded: h=8 m=41
